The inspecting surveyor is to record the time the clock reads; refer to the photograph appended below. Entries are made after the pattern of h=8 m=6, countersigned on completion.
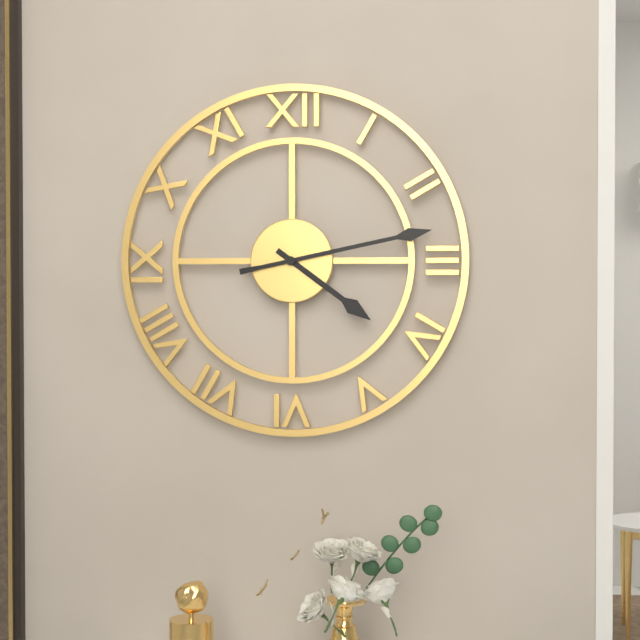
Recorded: h=4 m=13
